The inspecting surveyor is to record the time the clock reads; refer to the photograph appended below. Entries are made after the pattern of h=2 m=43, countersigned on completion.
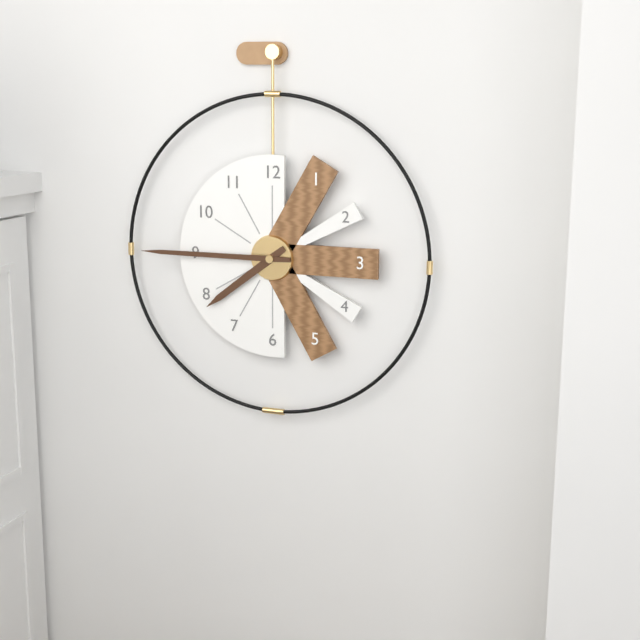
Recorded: h=7 m=45
